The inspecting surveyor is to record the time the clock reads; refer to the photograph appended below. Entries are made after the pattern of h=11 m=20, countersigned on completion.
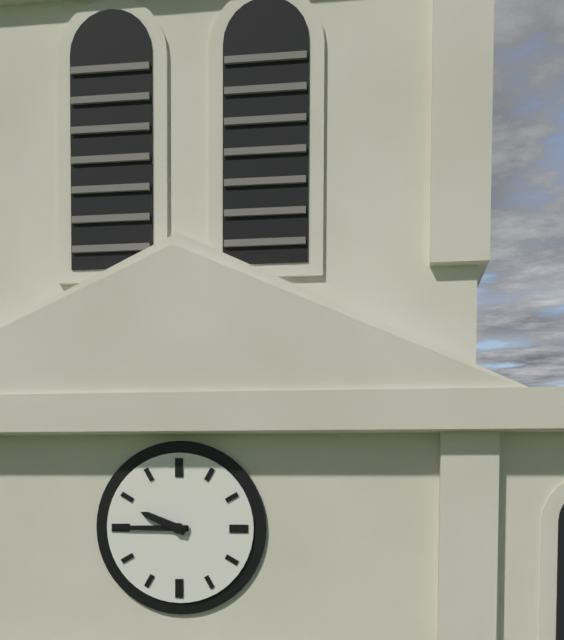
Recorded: h=9 m=45
